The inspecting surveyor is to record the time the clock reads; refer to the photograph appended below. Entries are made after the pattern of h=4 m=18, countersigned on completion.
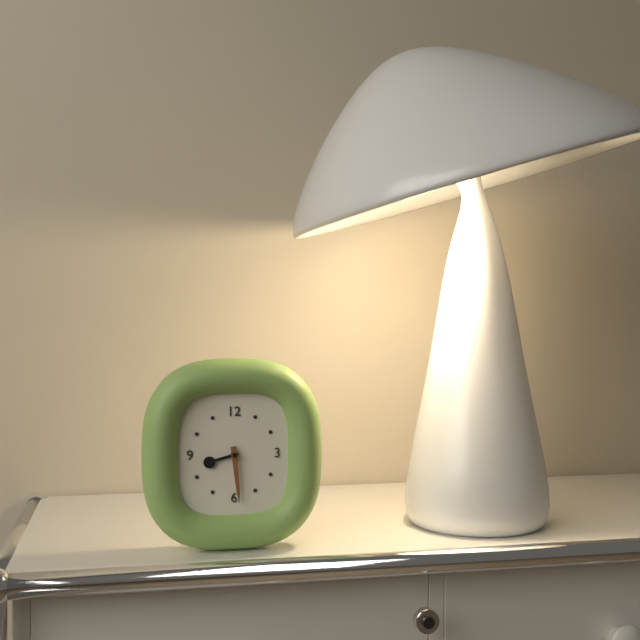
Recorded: h=8 m=29
